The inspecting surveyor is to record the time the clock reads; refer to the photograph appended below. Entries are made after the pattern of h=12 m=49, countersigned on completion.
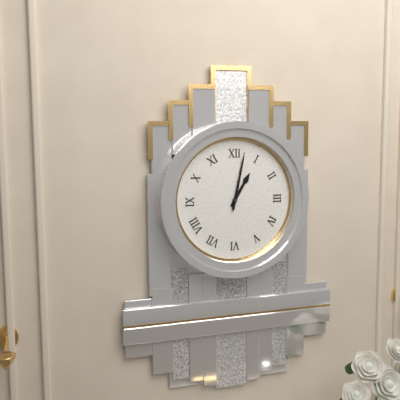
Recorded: h=1 m=2
